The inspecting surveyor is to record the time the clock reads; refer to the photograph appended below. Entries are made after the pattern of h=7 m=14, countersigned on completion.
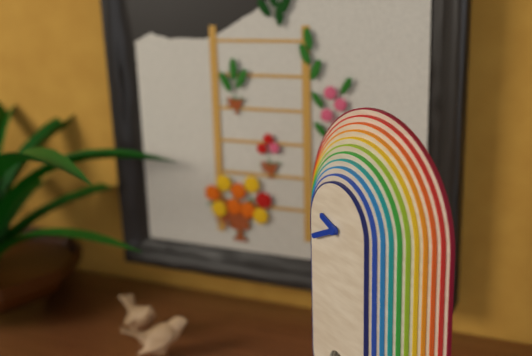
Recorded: h=9 m=41
